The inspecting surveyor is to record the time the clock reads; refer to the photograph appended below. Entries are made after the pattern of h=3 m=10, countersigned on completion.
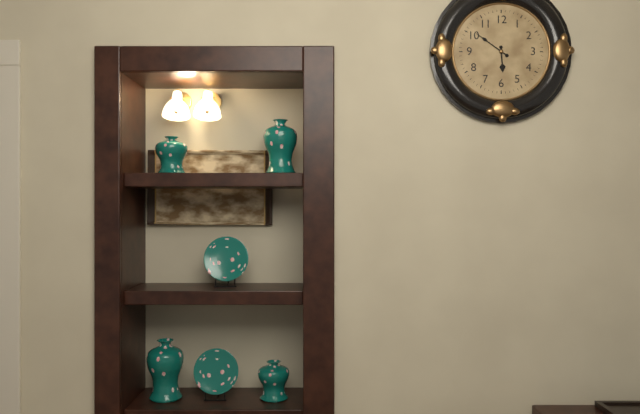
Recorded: h=5 m=51
